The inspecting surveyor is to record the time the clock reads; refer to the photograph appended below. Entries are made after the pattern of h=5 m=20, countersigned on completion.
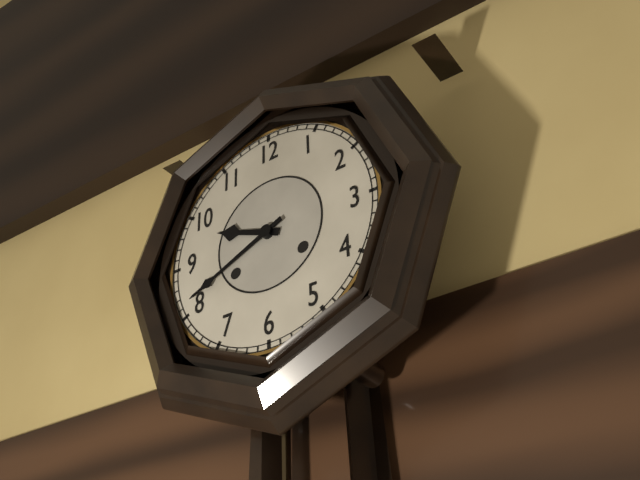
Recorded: h=9 m=41
